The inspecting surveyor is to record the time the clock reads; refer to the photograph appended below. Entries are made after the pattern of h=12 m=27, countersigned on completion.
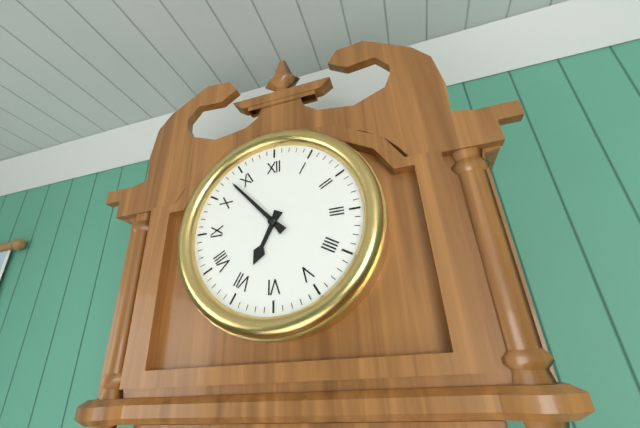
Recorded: h=6 m=53
